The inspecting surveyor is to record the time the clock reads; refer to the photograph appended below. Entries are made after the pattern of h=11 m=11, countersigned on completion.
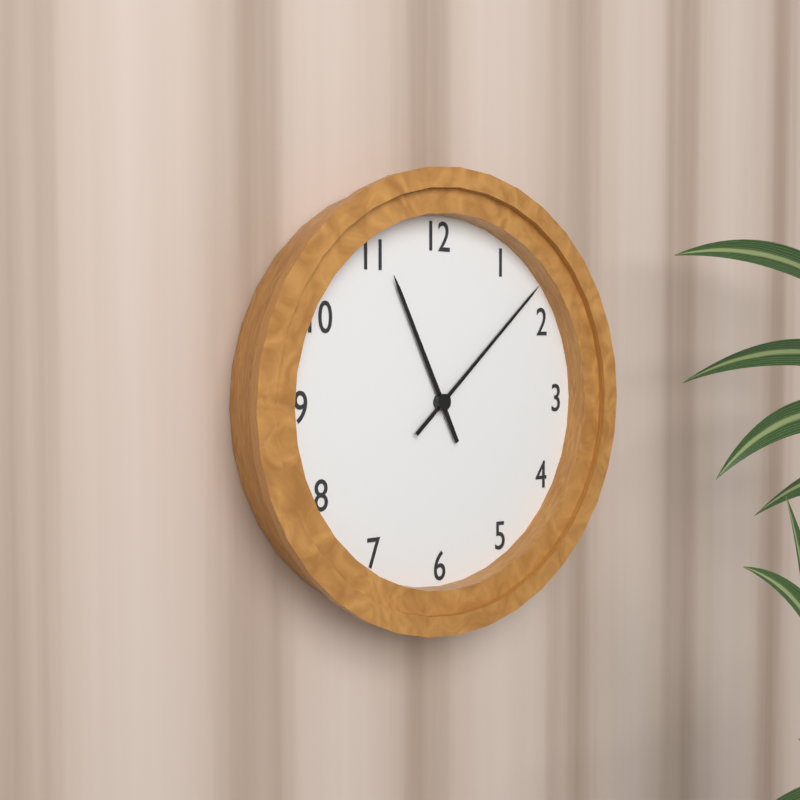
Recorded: h=11 m=8
